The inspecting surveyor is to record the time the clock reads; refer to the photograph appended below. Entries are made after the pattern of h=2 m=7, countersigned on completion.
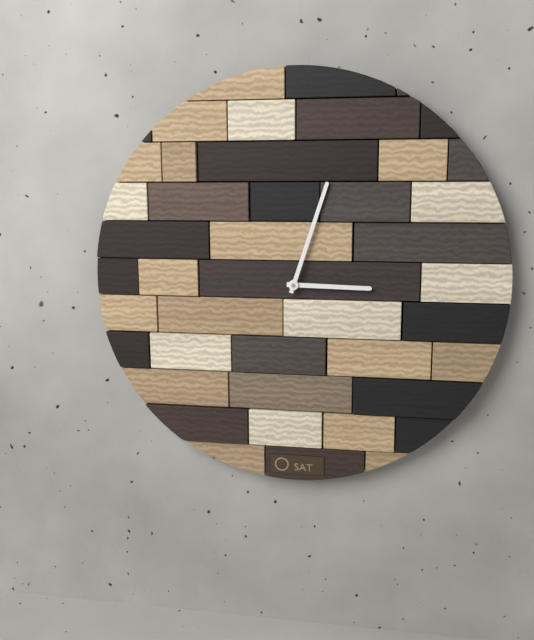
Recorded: h=3 m=3
